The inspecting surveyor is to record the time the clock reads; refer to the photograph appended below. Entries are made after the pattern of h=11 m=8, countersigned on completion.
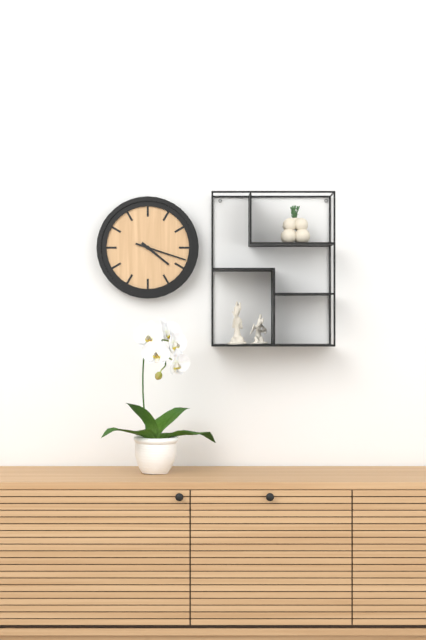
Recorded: h=4 m=18
